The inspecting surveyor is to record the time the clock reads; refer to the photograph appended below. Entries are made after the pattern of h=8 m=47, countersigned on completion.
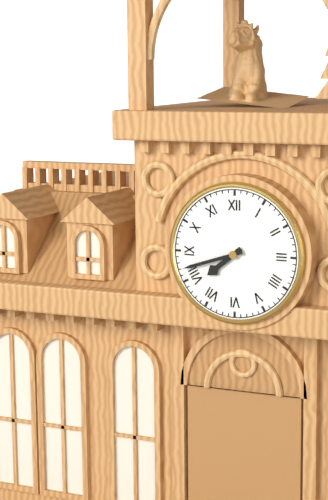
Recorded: h=7 m=42
